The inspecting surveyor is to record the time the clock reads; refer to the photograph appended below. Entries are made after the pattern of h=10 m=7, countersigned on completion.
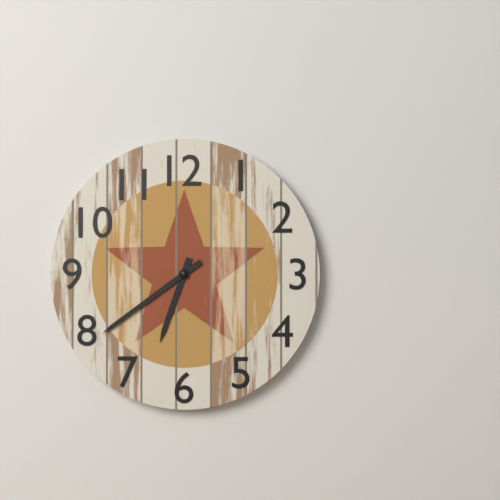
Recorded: h=6 m=39
